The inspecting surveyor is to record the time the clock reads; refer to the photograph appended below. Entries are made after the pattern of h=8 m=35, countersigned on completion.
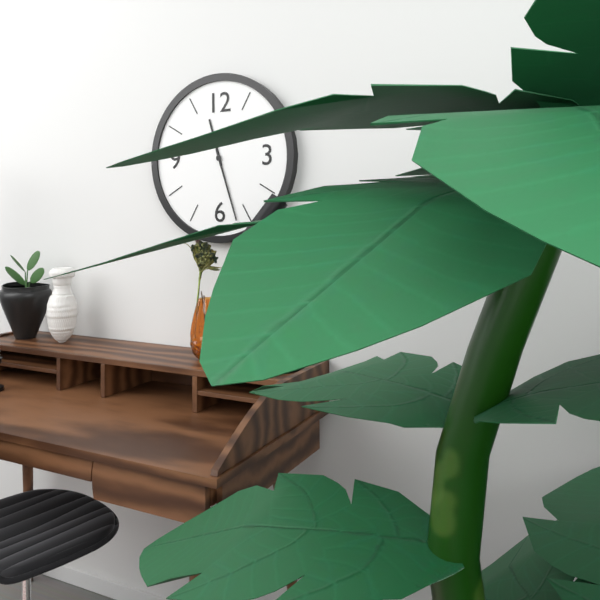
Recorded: h=11 m=27
